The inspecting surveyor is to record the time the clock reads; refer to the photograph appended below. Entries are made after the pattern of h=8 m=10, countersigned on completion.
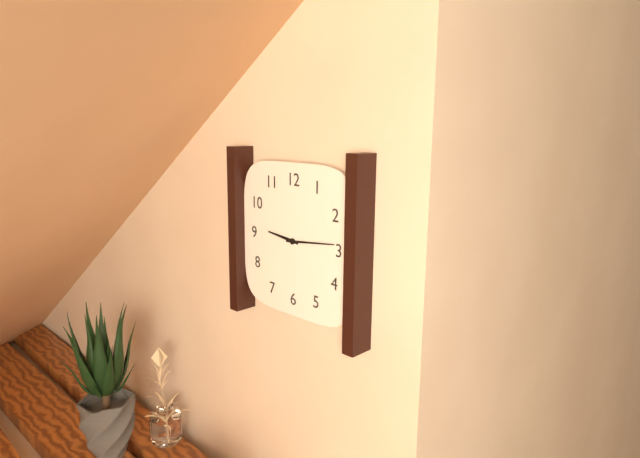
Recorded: h=9 m=14
